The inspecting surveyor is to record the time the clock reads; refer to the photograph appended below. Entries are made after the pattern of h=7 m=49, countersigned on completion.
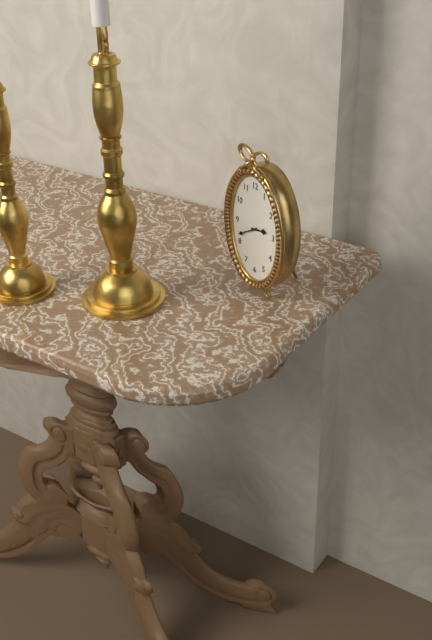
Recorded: h=2 m=40
